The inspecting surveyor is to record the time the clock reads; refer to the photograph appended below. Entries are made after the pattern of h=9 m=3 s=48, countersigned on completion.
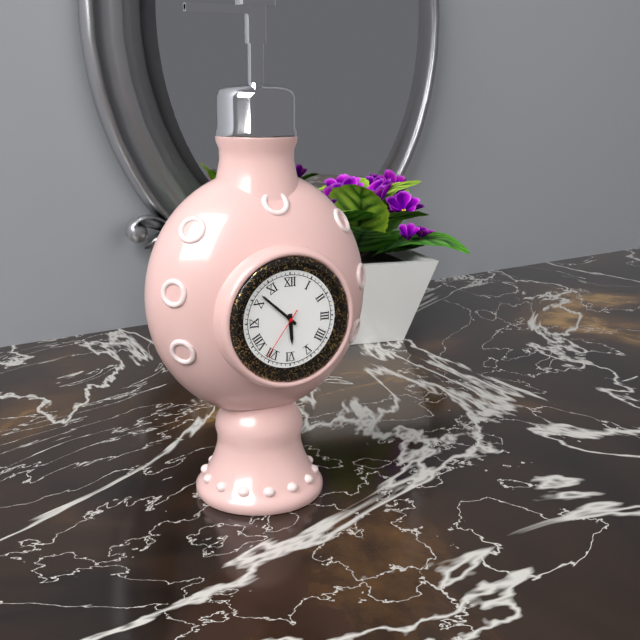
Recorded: h=5 m=52 s=36
